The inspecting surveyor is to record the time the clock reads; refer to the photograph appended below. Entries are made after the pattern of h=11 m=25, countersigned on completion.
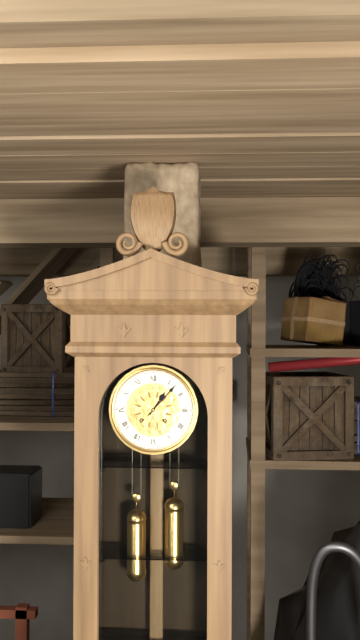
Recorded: h=1 m=7
